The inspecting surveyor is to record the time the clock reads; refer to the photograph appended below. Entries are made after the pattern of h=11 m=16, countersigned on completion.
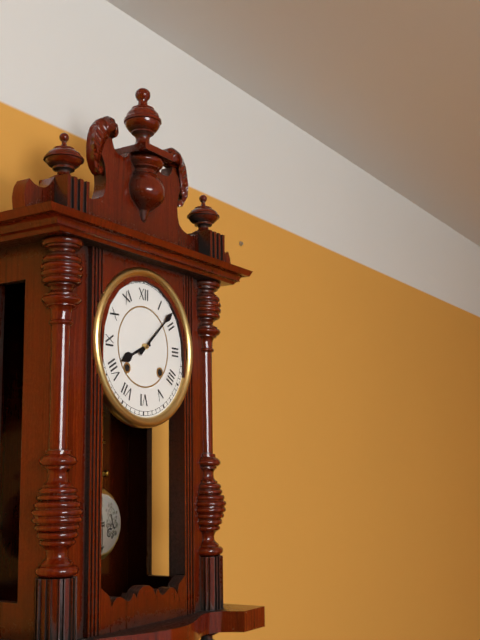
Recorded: h=8 m=8
